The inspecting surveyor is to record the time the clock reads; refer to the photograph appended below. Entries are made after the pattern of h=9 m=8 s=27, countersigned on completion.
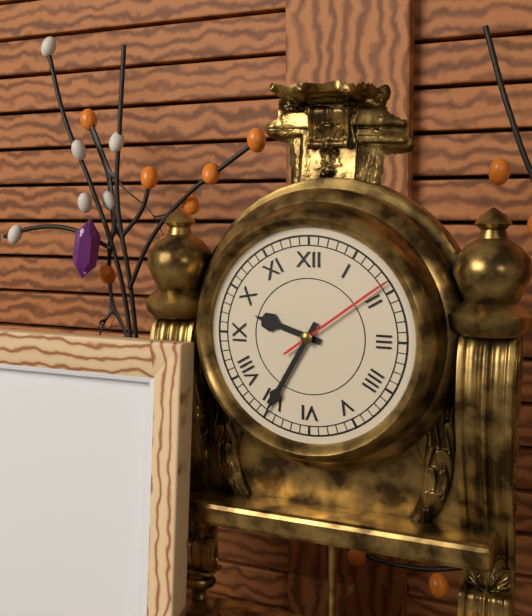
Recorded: h=9 m=35 s=9
